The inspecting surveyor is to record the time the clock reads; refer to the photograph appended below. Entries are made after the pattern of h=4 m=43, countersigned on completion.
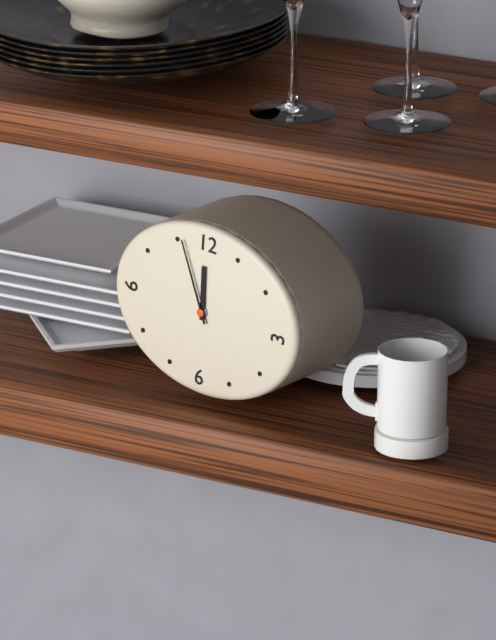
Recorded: h=11 m=56
